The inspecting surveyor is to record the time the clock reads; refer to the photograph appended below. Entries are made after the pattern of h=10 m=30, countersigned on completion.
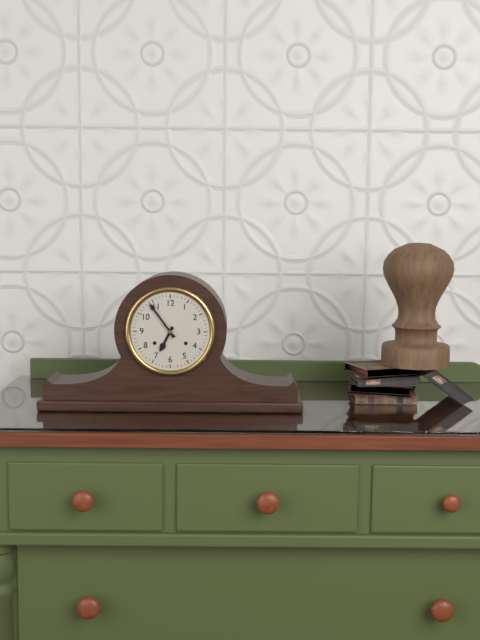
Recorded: h=6 m=54
